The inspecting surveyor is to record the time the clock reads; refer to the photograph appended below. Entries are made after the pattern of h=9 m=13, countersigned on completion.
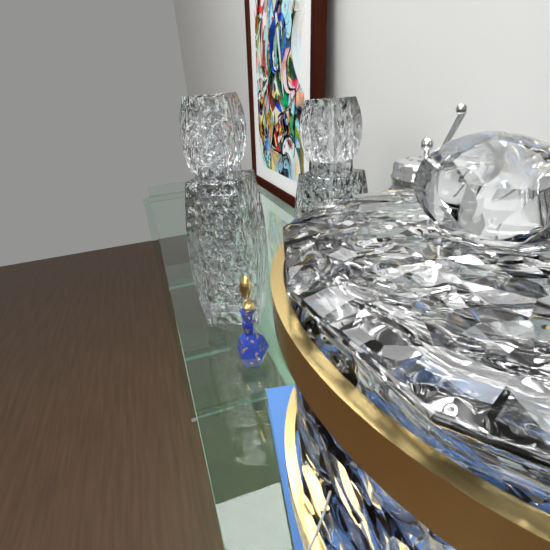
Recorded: h=7 m=23
